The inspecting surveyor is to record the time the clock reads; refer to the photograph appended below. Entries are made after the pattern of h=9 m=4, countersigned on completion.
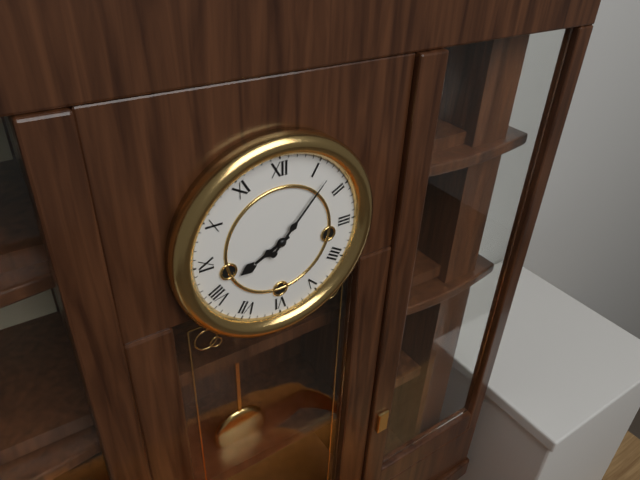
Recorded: h=8 m=7
